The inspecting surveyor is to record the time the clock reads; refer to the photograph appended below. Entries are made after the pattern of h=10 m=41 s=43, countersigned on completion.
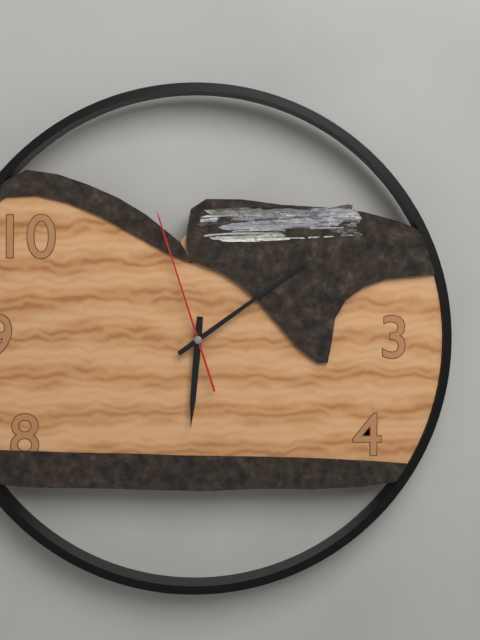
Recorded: h=6 m=9 s=57
